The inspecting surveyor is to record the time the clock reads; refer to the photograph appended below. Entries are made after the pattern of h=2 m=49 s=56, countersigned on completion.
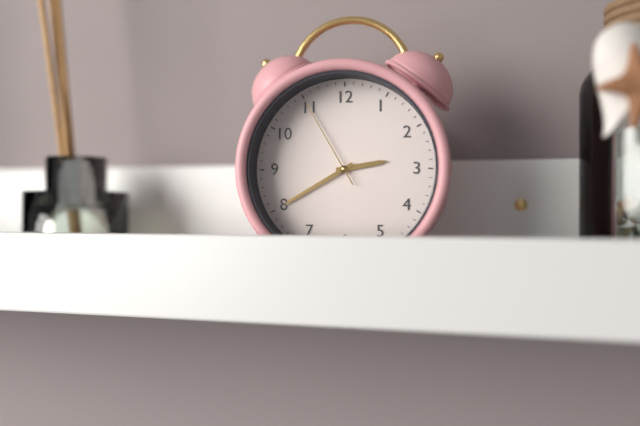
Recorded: h=2 m=40 s=55
